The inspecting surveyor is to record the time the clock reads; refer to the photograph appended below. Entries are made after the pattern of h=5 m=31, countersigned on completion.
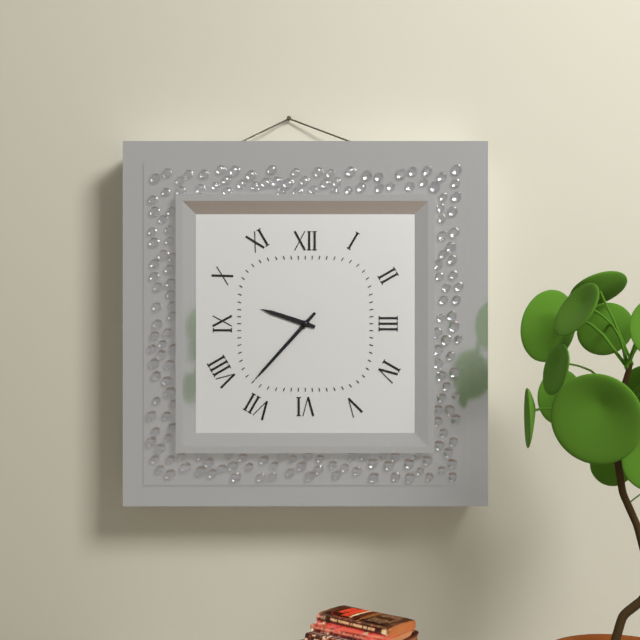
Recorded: h=9 m=37
